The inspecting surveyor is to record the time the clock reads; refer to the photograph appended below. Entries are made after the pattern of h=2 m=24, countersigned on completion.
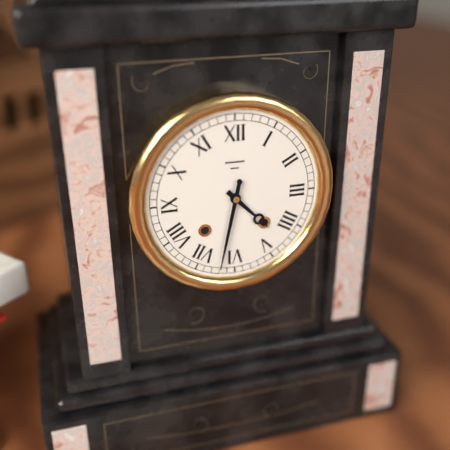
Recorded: h=4 m=32
